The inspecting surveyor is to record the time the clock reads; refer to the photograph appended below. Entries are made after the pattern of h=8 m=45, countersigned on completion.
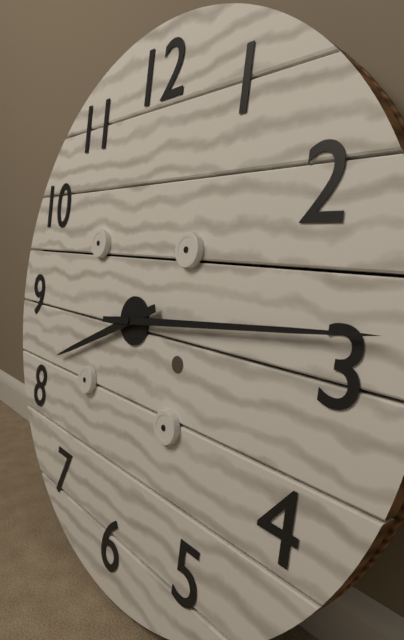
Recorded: h=8 m=14
